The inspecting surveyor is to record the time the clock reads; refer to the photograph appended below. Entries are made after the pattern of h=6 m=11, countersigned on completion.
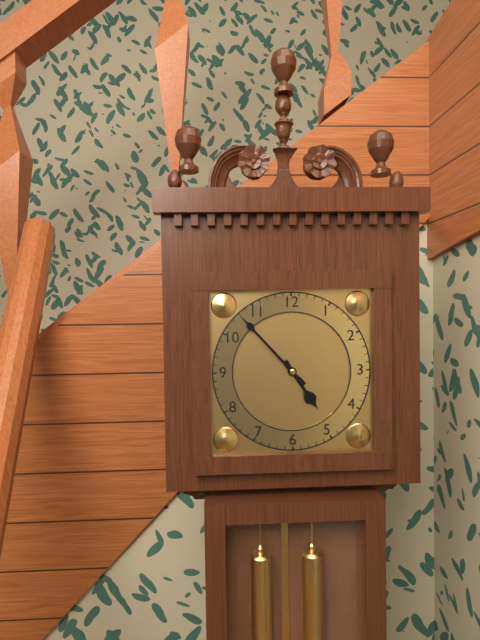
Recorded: h=4 m=53
